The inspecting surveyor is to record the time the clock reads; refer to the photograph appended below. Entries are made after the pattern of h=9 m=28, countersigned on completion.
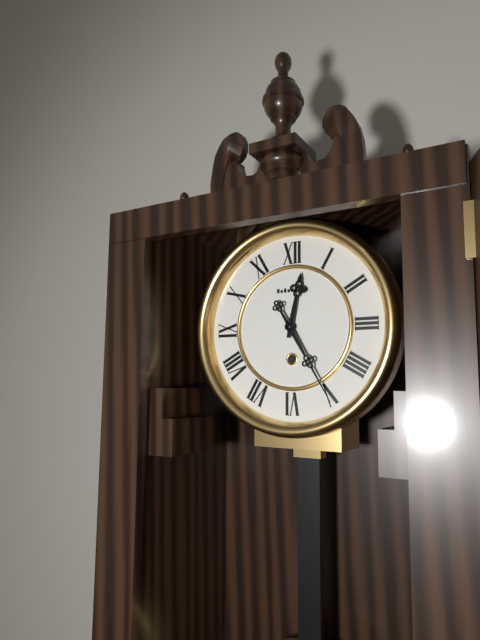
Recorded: h=12 m=25
